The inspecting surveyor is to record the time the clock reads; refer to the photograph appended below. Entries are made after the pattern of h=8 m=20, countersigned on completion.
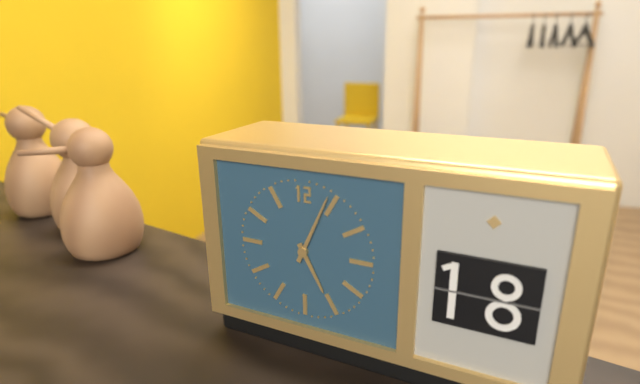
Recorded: h=5 m=4
